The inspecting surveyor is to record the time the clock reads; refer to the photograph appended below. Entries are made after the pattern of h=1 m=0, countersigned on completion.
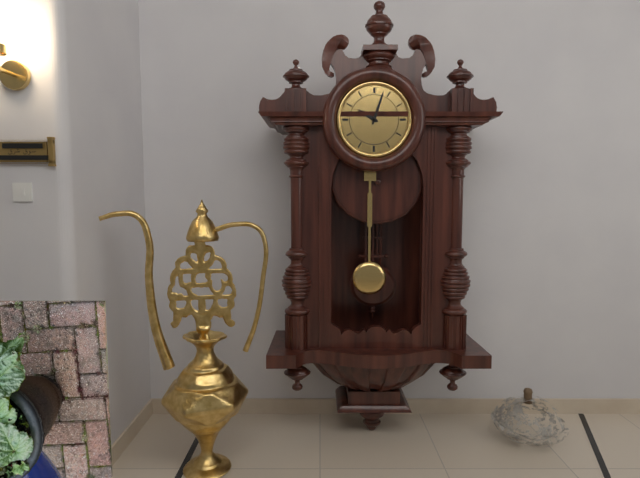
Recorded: h=10 m=3
